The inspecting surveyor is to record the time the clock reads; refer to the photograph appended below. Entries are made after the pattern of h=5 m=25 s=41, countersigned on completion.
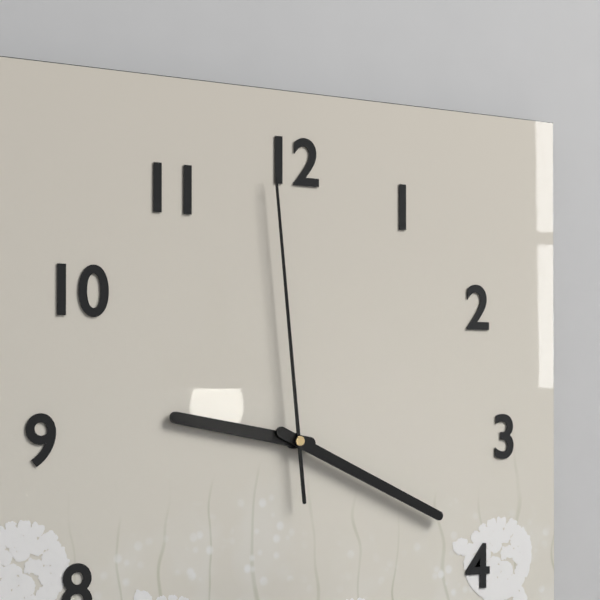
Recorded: h=9 m=19 s=59
